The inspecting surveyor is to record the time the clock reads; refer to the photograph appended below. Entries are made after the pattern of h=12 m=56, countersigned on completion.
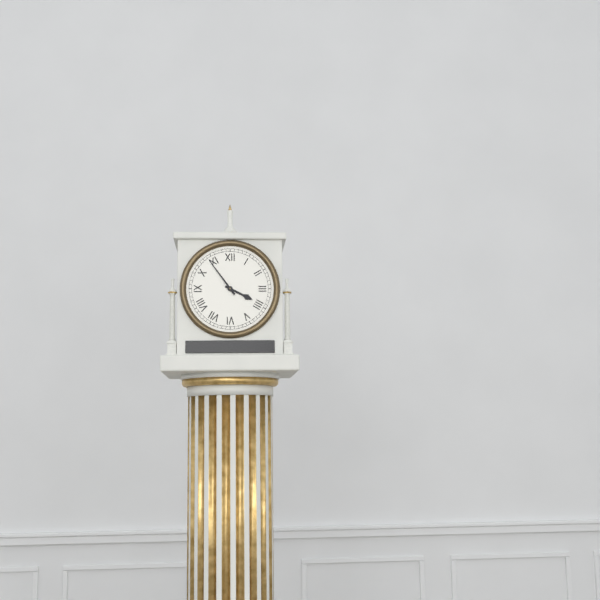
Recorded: h=3 m=54
